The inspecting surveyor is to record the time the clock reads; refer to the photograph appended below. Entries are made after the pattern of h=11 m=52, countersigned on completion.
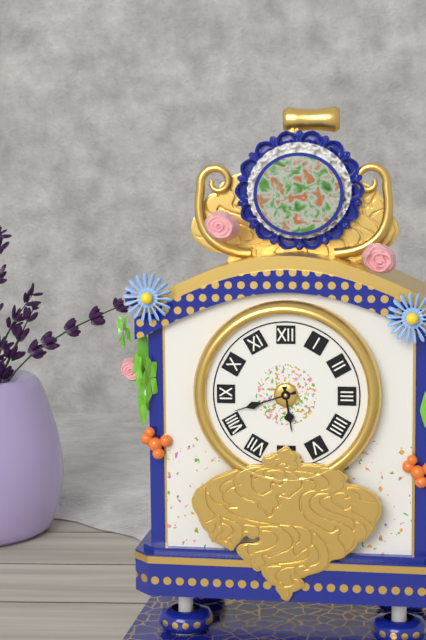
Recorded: h=5 m=42
